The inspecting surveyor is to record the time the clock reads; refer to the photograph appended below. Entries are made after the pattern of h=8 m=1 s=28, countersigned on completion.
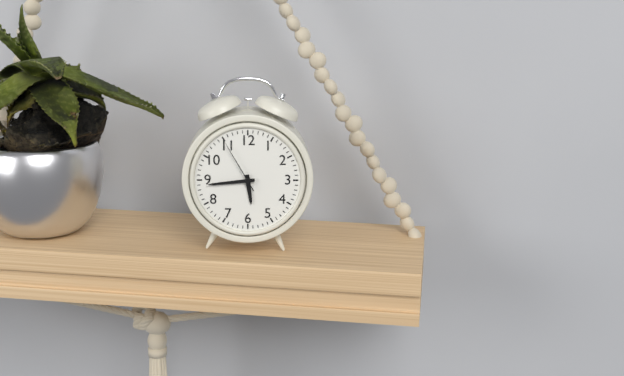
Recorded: h=5 m=44 s=55
